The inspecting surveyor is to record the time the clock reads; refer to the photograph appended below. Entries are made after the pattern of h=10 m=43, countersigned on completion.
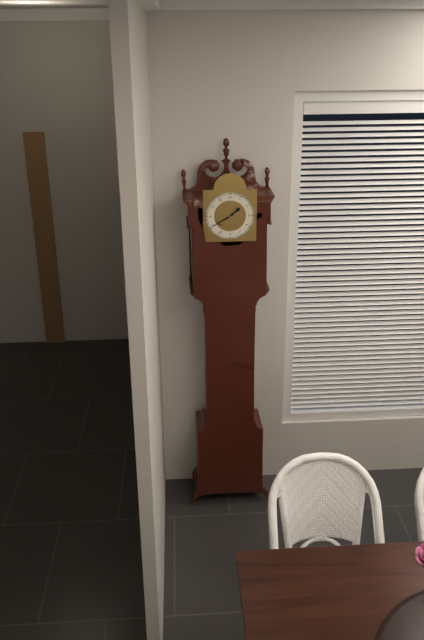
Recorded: h=1 m=40
